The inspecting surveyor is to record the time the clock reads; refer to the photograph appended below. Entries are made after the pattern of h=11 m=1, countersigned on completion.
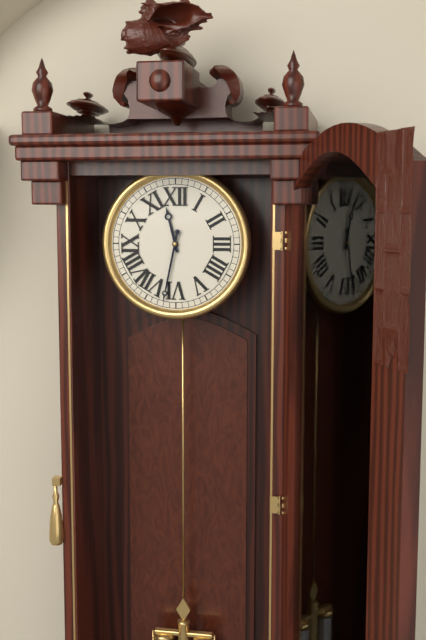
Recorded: h=11 m=32
